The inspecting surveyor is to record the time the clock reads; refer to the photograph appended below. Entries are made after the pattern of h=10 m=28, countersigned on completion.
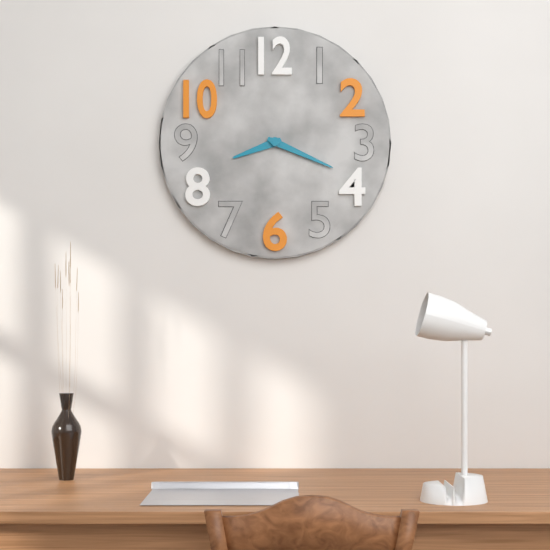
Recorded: h=8 m=19
